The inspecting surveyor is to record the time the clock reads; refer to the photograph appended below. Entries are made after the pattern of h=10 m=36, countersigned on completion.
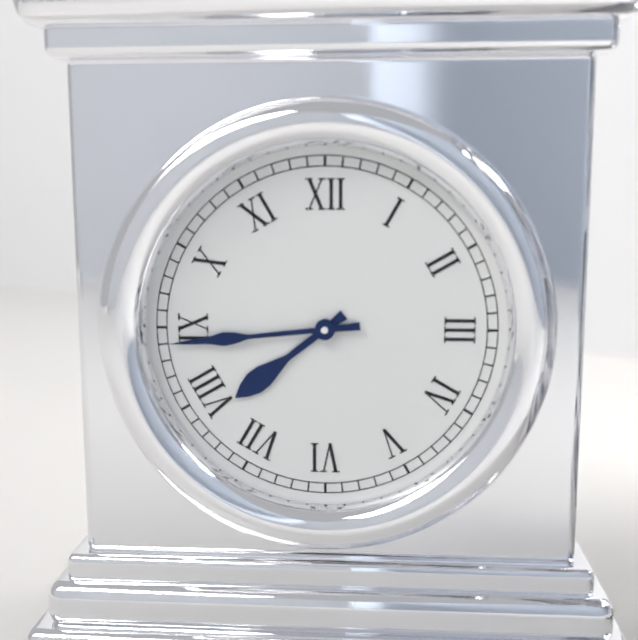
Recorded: h=7 m=44
